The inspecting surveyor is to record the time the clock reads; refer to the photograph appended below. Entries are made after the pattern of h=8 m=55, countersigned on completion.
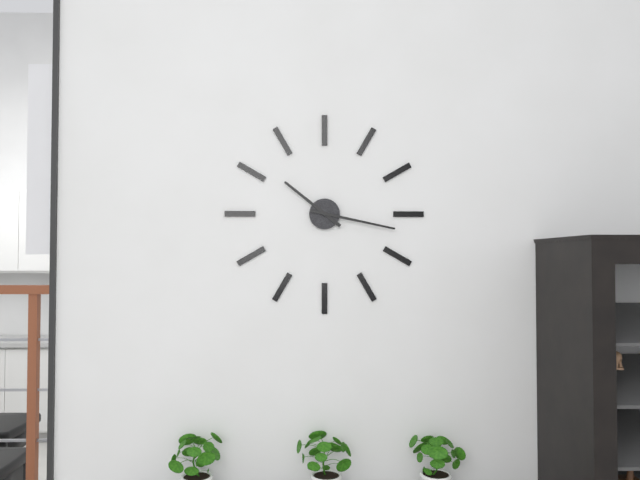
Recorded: h=10 m=17
